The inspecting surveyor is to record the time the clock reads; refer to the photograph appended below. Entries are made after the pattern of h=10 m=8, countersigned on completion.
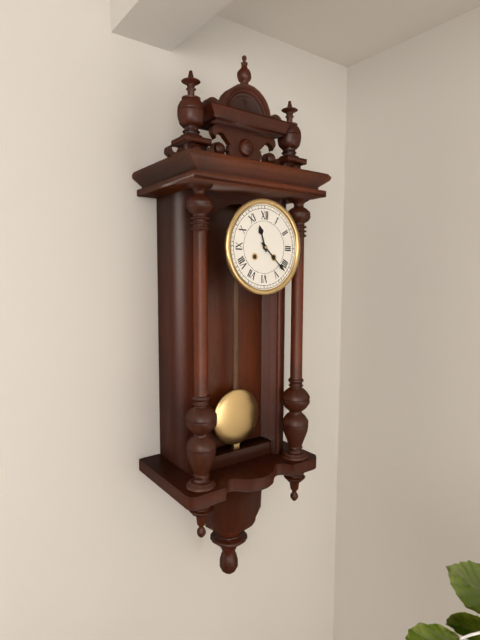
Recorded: h=11 m=22
